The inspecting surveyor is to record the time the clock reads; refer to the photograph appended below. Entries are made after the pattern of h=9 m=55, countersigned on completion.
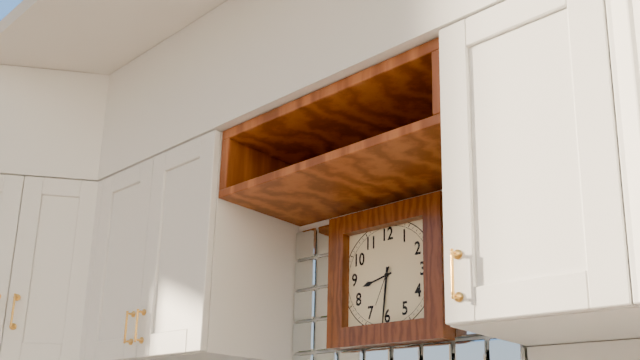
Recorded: h=8 m=31
